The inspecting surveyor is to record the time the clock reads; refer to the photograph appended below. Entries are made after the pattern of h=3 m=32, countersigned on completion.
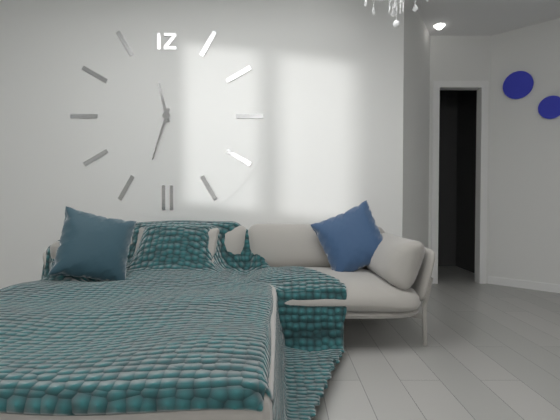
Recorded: h=11 m=33
